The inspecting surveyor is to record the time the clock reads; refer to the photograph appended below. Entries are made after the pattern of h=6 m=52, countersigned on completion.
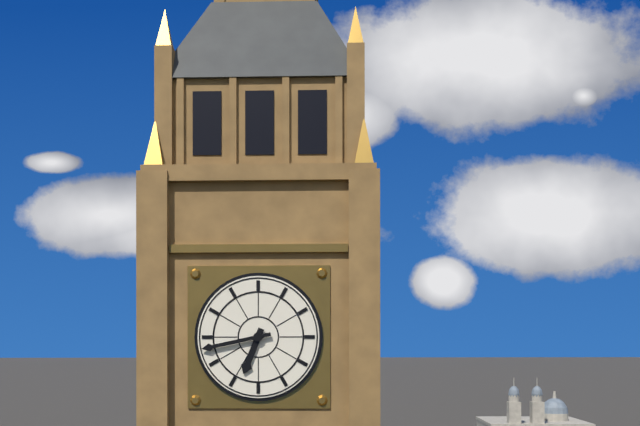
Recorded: h=6 m=43
